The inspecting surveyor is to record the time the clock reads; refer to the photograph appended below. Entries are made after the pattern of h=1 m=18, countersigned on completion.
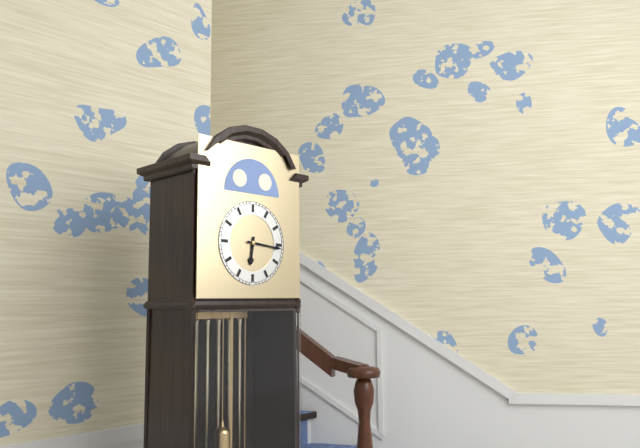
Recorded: h=6 m=16
